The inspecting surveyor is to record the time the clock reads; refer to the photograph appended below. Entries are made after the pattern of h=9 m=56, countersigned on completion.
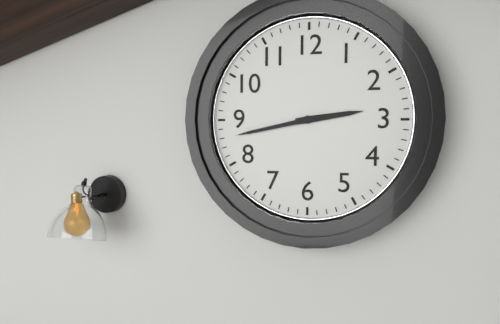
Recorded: h=2 m=43
